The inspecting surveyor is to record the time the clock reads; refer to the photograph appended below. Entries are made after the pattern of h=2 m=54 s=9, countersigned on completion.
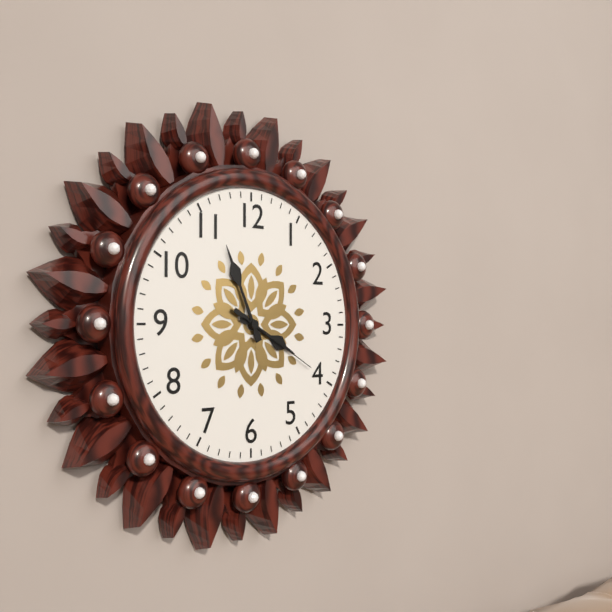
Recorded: h=3 m=56 s=20
